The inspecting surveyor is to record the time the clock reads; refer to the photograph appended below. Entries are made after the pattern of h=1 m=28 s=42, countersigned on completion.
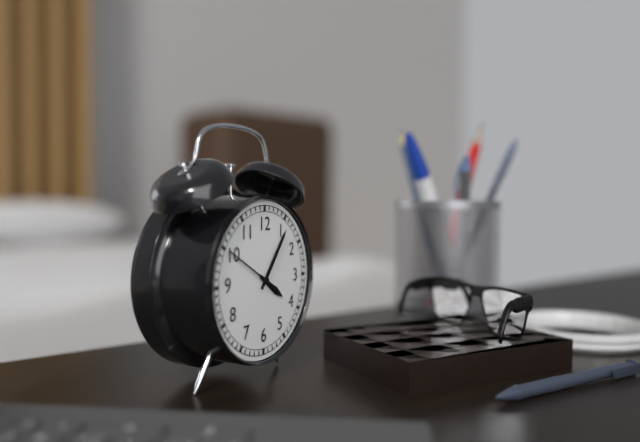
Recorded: h=4 m=6 s=50
